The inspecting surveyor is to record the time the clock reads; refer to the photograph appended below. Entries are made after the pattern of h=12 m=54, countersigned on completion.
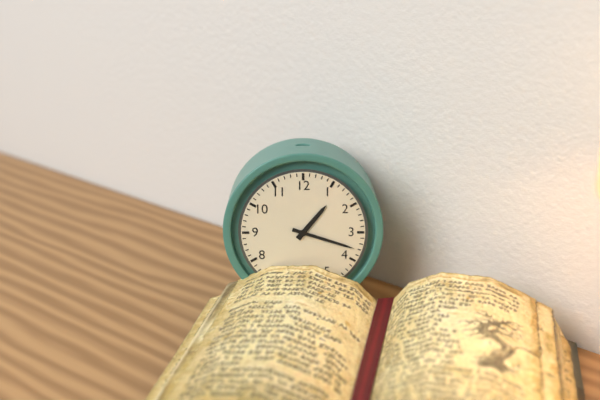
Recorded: h=1 m=18
